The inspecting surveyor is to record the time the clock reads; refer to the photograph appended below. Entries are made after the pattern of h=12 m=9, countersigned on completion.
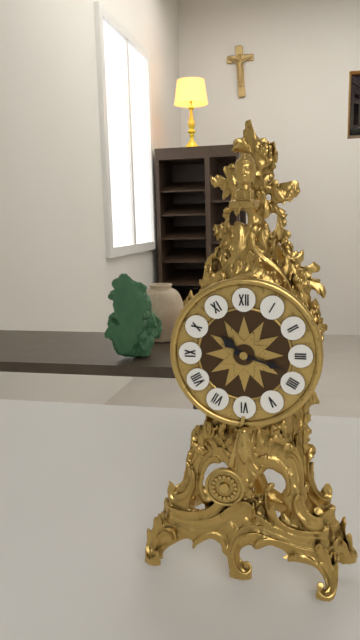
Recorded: h=10 m=18
